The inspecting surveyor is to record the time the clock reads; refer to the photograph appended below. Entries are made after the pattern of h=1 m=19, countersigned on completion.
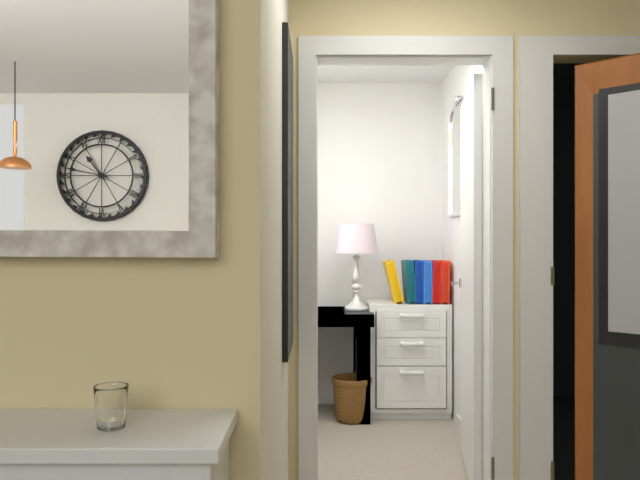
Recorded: h=10 m=47
